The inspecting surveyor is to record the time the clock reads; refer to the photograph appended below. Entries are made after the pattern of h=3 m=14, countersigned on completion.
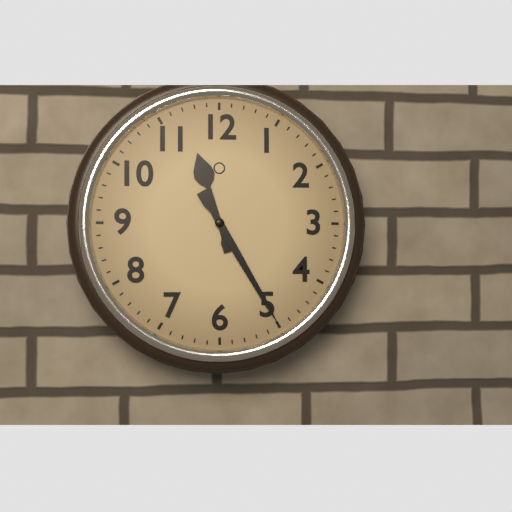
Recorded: h=11 m=25
